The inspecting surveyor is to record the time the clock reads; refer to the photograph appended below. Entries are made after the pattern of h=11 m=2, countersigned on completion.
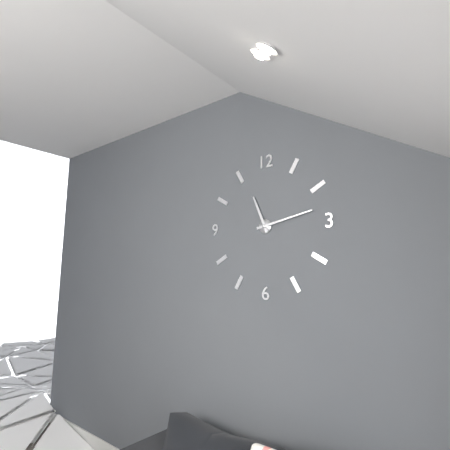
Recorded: h=11 m=13
